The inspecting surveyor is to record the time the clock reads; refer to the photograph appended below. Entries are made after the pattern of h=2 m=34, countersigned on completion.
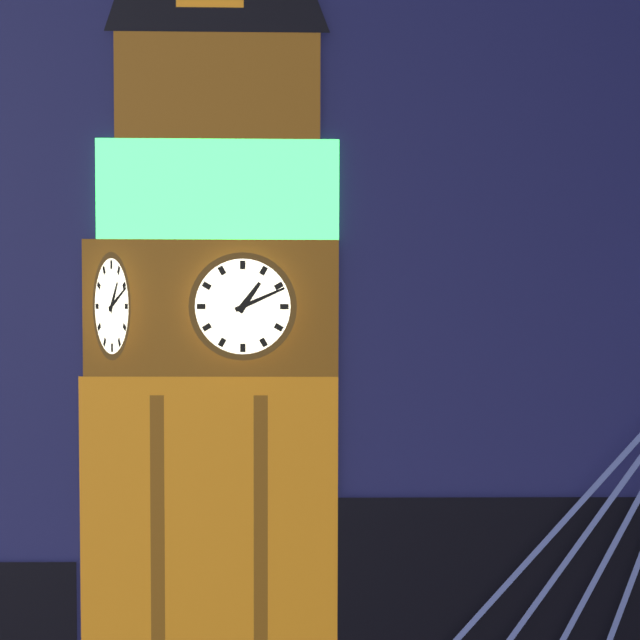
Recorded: h=1 m=11
